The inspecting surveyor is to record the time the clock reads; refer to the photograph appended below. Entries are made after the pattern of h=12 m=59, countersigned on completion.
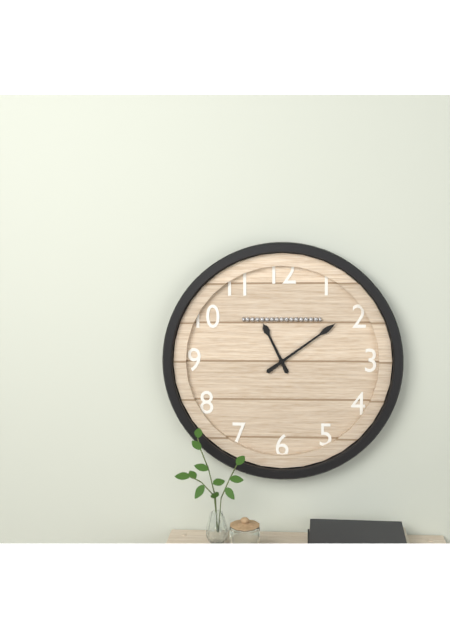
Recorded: h=11 m=9
